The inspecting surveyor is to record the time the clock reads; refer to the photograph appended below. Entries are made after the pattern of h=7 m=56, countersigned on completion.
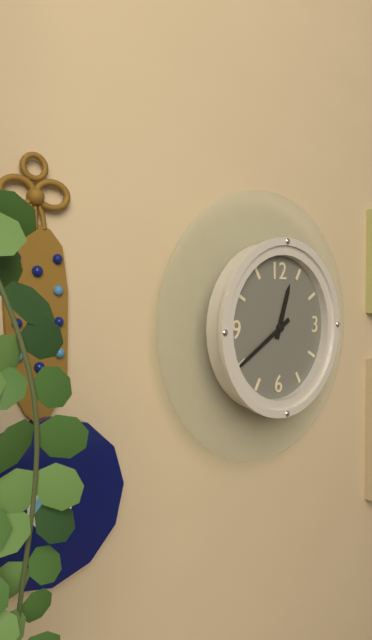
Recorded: h=12 m=40
